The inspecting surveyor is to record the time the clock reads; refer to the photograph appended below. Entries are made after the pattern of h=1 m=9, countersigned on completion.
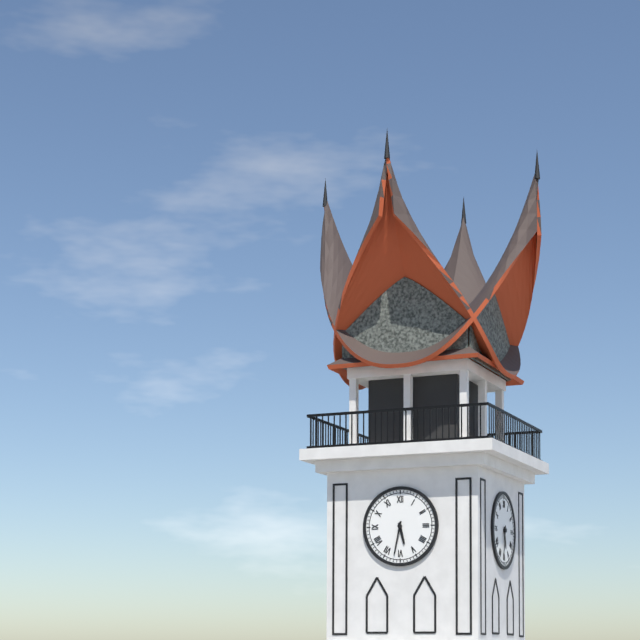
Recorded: h=5 m=32
